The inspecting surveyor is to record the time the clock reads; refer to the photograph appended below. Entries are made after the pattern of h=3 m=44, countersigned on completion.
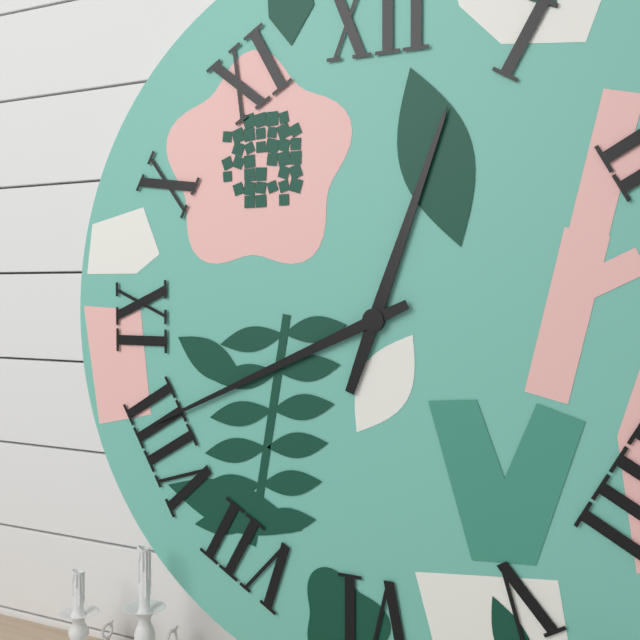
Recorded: h=12 m=41
